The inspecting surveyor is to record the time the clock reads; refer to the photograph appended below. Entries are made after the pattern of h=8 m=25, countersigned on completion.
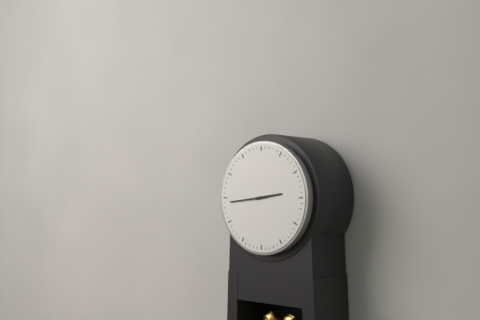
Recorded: h=2 m=44
